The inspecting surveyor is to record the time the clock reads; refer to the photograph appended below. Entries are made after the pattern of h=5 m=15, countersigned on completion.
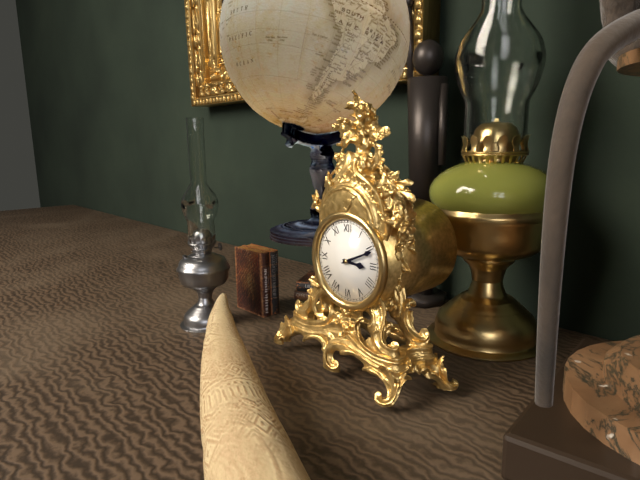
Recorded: h=3 m=11
